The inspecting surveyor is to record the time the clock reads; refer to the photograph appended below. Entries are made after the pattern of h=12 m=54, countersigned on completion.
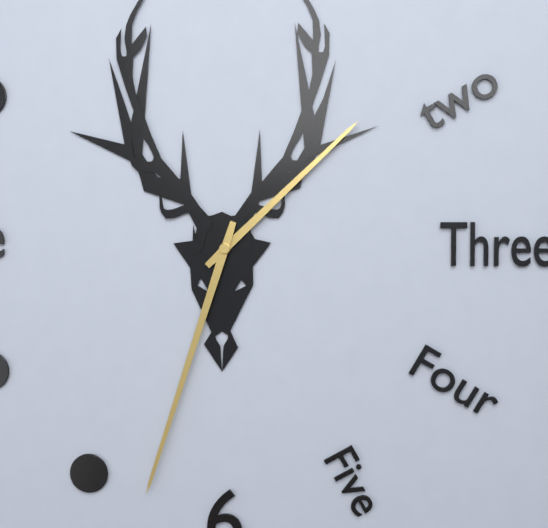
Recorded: h=1 m=33
